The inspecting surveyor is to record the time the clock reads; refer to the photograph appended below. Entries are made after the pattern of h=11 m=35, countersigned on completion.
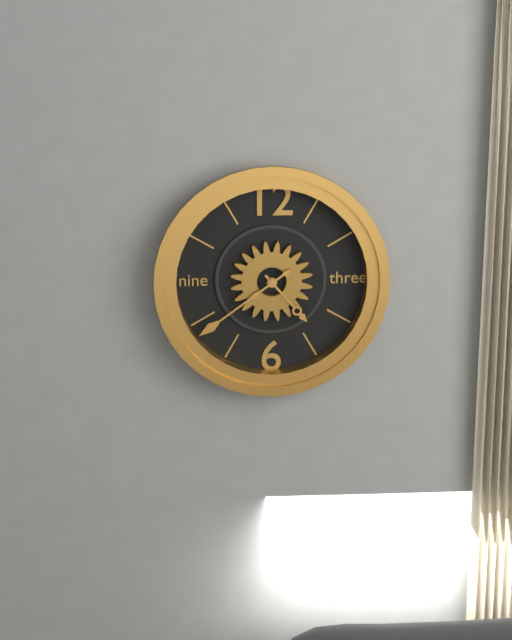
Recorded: h=4 m=39
